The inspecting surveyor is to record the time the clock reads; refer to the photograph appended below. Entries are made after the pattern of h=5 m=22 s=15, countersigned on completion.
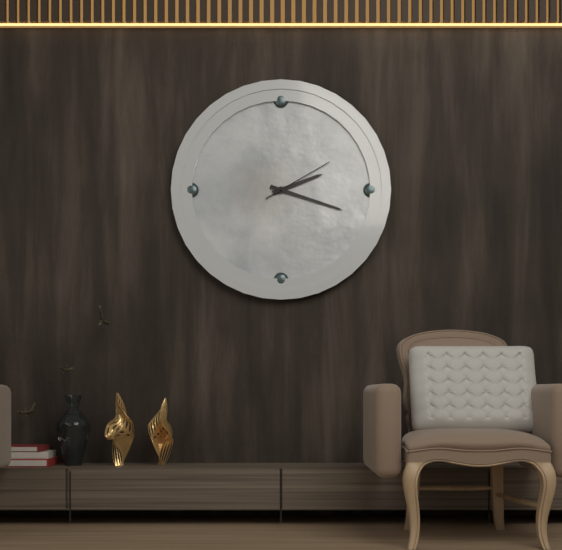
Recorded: h=2 m=18 s=10
